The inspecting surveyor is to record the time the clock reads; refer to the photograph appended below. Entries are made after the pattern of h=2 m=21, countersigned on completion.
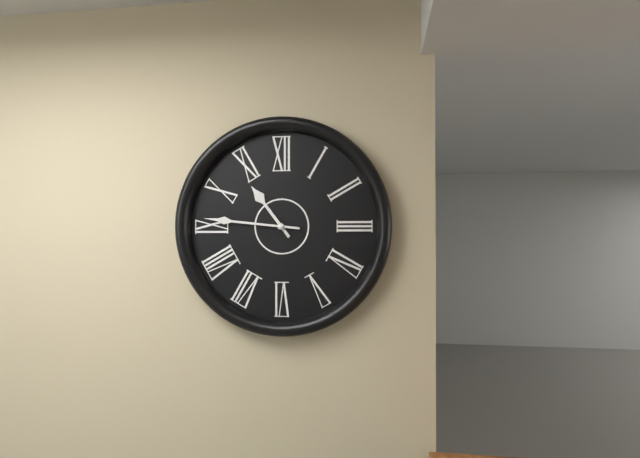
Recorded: h=10 m=46
